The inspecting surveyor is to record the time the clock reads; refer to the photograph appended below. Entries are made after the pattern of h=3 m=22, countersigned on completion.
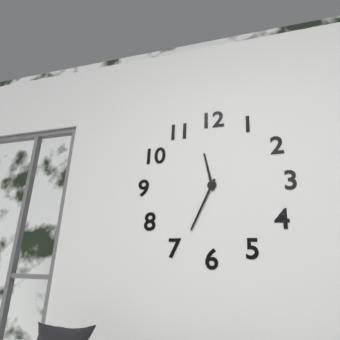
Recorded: h=11 m=34
